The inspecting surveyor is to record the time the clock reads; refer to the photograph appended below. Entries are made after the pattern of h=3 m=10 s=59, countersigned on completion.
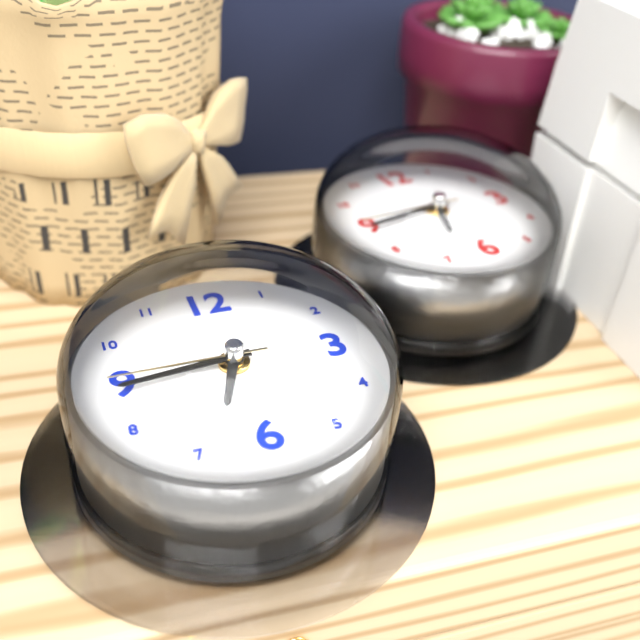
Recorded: h=6 m=44 s=45
